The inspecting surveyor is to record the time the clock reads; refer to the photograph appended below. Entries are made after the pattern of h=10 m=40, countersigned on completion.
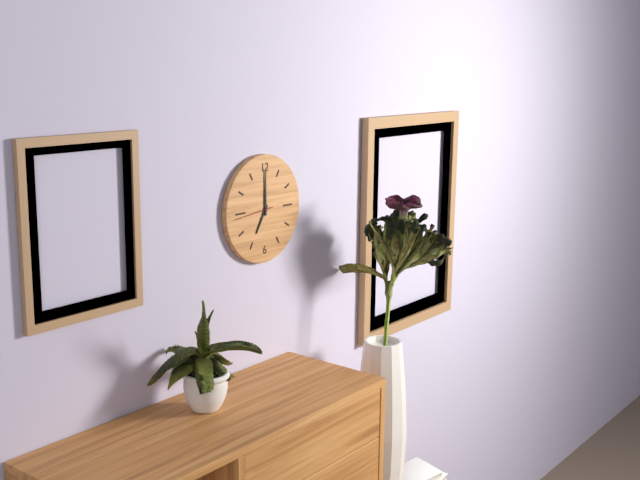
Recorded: h=7 m=0
